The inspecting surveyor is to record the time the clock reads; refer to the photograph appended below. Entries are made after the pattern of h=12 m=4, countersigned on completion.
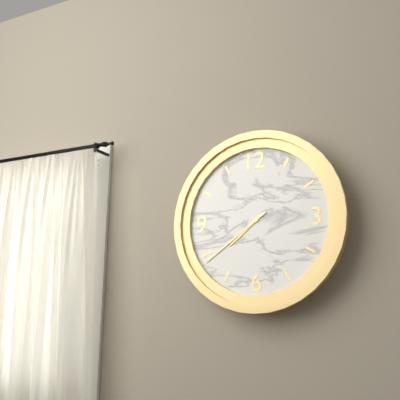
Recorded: h=7 m=39
